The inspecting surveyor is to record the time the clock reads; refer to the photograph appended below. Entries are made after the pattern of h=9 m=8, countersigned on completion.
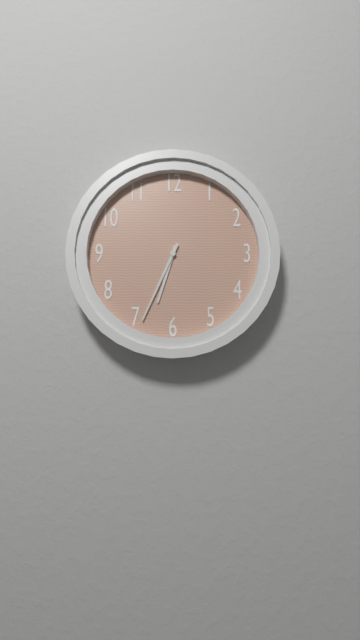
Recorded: h=6 m=34
